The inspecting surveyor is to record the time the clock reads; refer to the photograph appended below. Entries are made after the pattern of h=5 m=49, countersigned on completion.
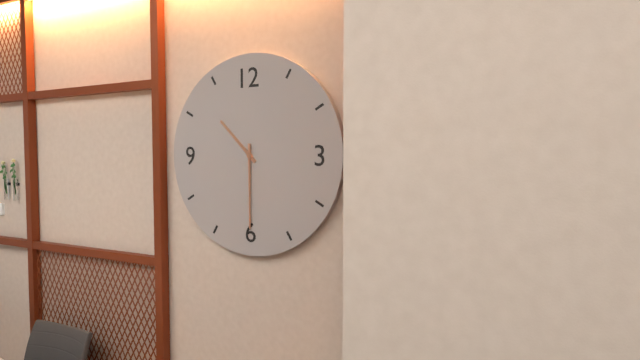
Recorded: h=10 m=30
